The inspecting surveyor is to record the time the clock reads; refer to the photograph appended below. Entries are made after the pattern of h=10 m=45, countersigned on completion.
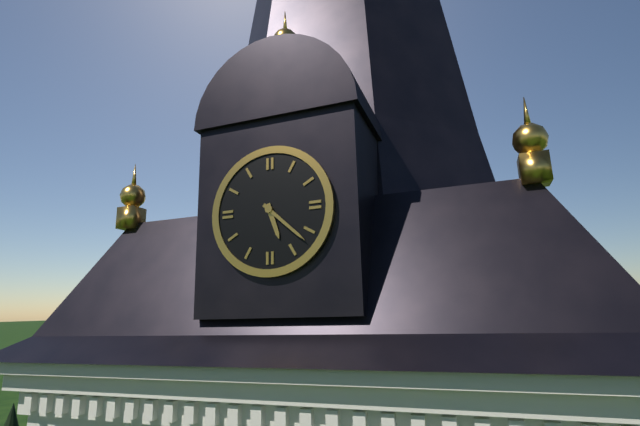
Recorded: h=5 m=22
